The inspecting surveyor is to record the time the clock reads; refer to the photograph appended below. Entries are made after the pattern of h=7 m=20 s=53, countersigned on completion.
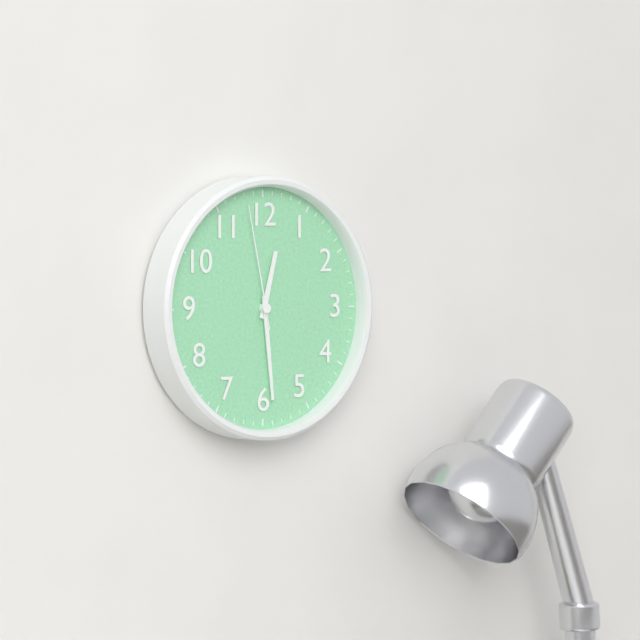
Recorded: h=12 m=29 s=58
